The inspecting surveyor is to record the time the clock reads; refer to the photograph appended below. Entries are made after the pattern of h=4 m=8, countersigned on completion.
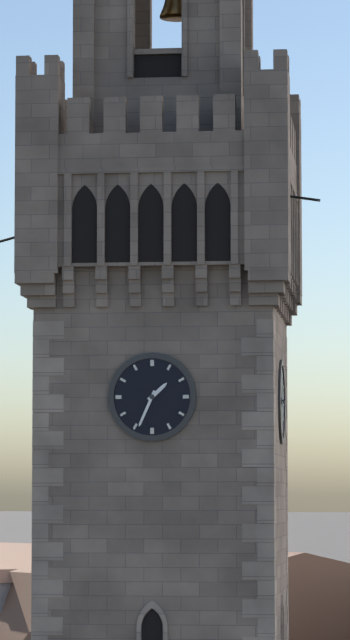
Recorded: h=1 m=34
